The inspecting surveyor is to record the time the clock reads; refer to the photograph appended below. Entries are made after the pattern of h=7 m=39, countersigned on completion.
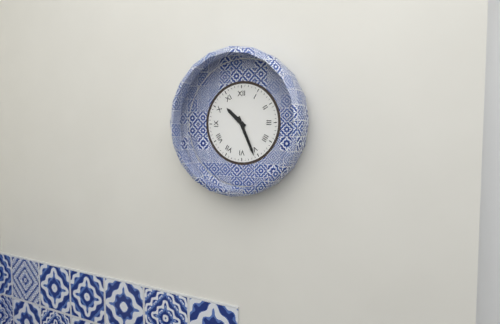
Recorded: h=10 m=26
